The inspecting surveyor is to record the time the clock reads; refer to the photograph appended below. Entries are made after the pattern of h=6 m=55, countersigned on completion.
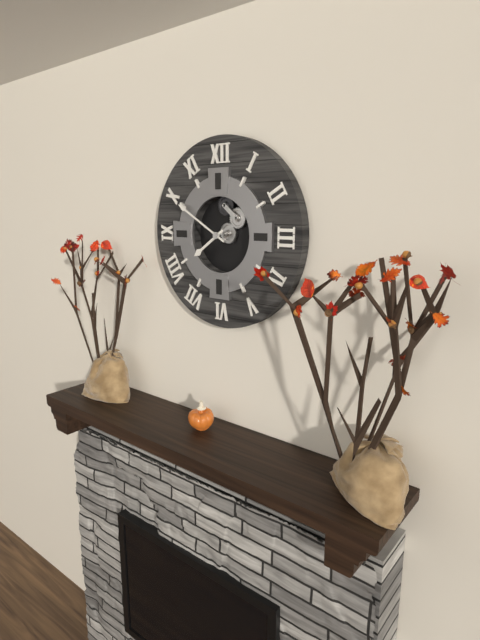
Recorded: h=7 m=50
